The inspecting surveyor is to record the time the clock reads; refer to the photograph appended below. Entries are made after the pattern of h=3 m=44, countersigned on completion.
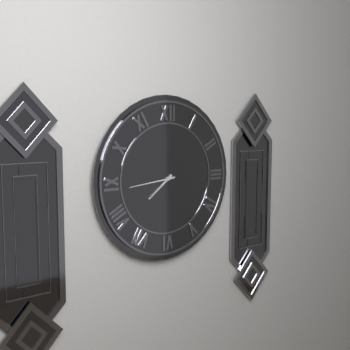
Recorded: h=7 m=44
